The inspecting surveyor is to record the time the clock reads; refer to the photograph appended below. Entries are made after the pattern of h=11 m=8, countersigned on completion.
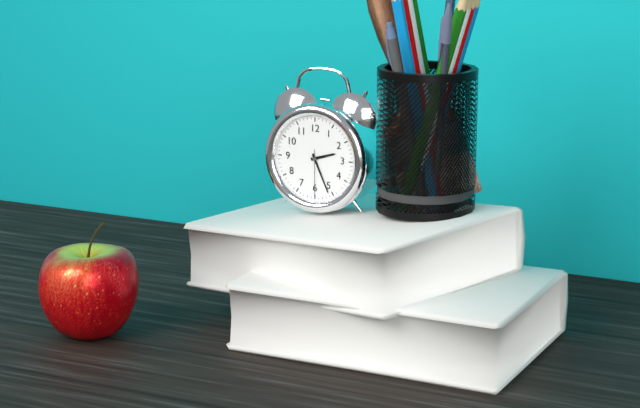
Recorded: h=2 m=26
